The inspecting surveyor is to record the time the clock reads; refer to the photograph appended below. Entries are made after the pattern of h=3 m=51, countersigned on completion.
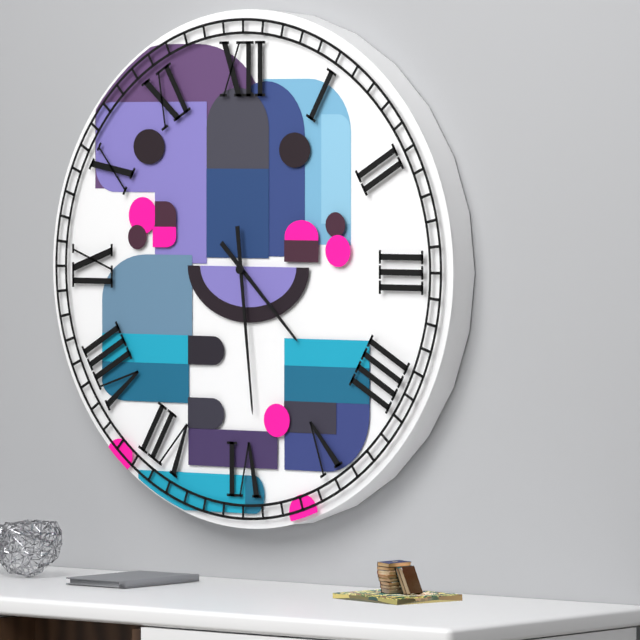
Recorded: h=4 m=29
